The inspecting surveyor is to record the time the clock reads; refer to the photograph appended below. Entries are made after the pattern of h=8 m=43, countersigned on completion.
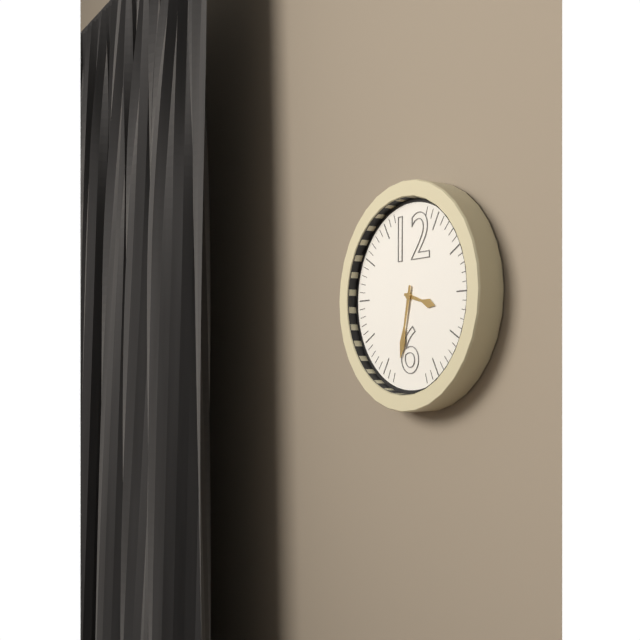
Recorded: h=3 m=32
